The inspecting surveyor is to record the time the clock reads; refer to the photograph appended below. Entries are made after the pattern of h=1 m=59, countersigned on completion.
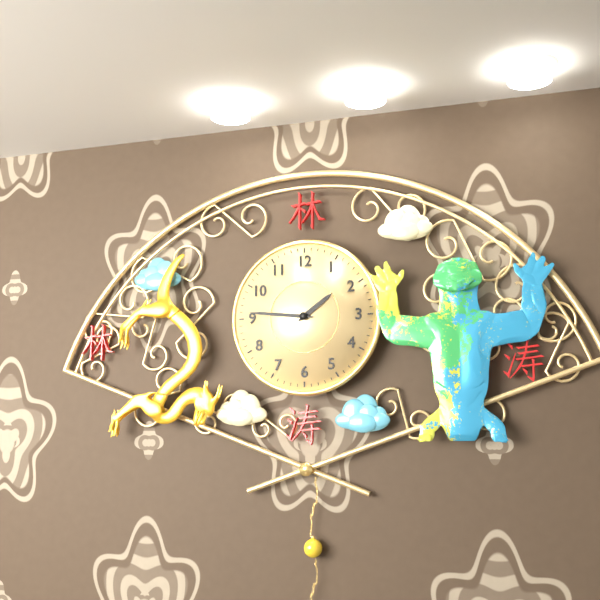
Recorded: h=1 m=46
